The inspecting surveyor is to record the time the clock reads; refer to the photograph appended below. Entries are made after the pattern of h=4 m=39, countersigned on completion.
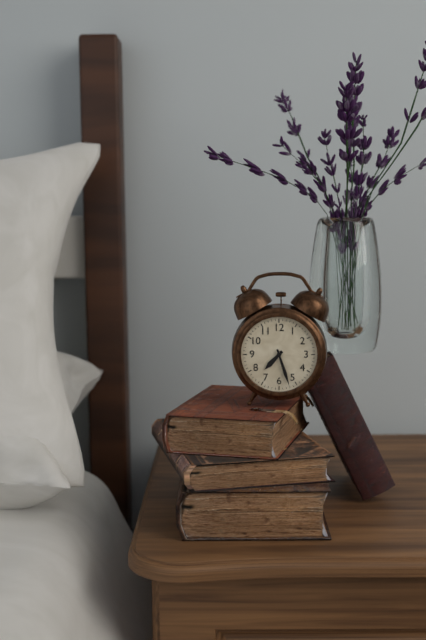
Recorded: h=7 m=27
